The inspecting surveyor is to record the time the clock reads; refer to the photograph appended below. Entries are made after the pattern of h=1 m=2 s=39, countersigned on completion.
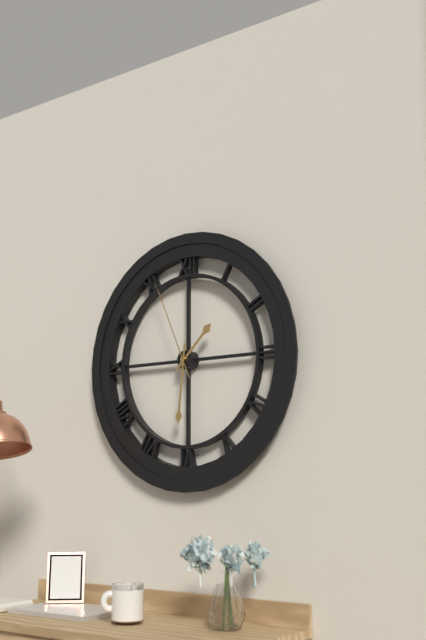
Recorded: h=1 m=31 s=56
